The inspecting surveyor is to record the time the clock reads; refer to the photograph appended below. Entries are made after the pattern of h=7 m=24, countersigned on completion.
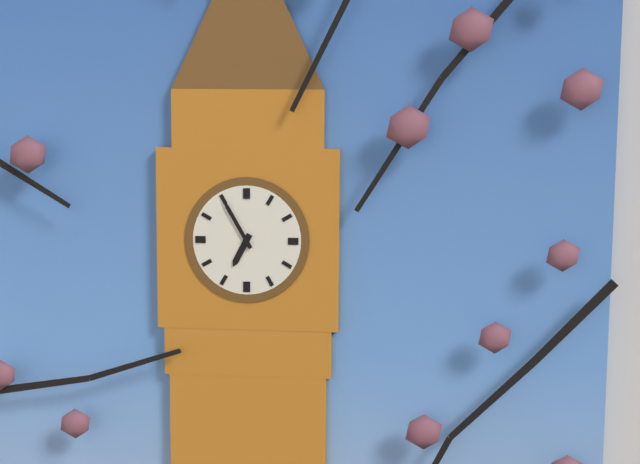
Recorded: h=6 m=55
